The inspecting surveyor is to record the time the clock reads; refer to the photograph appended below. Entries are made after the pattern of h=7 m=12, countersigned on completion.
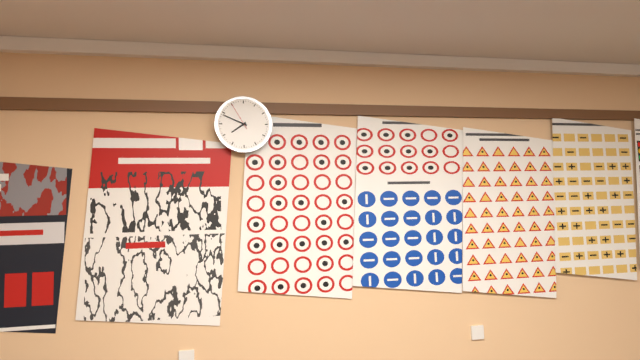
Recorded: h=7 m=49
